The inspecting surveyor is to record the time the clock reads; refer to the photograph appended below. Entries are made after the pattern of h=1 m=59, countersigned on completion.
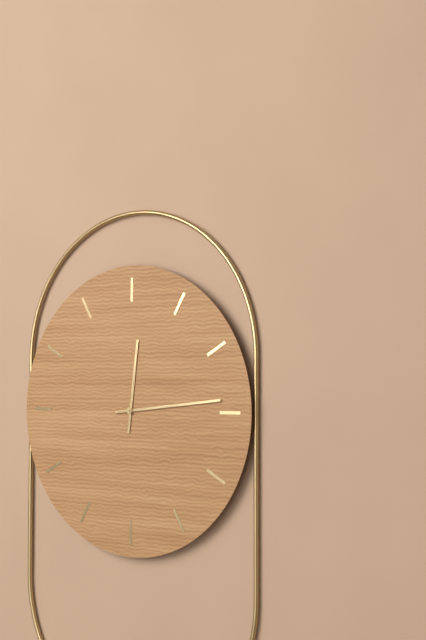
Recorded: h=12 m=14
